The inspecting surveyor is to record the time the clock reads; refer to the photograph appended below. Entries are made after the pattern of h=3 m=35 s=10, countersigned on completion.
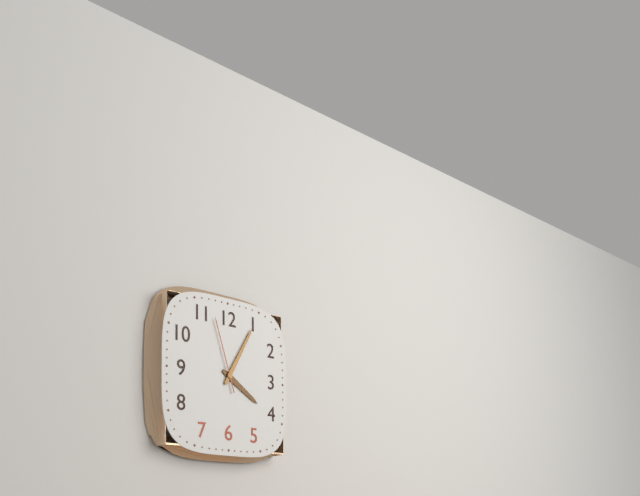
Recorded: h=4 m=5 s=57
